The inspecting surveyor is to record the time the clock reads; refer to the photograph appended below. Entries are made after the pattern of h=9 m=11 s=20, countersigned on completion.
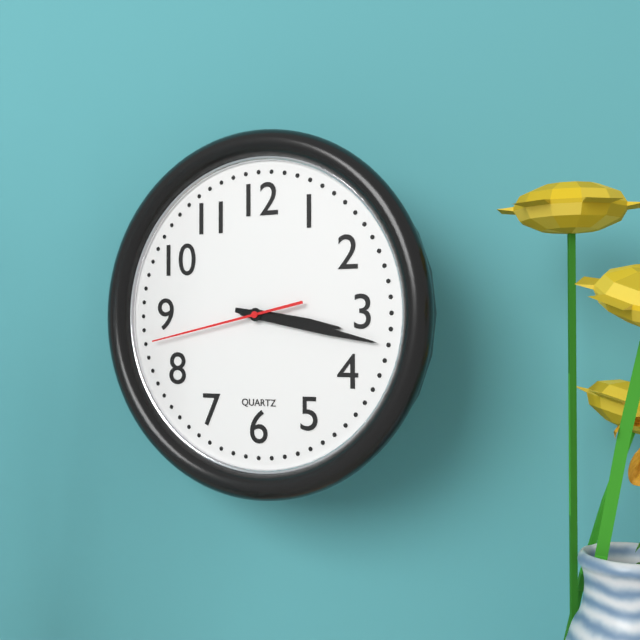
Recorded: h=3 m=17 s=43
